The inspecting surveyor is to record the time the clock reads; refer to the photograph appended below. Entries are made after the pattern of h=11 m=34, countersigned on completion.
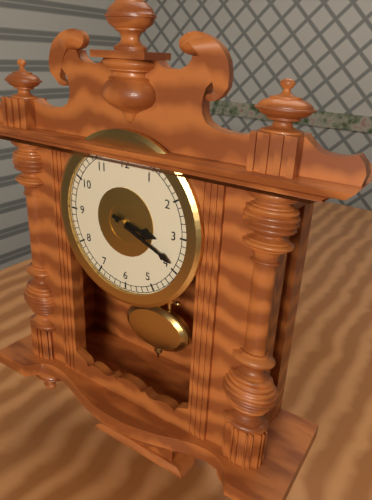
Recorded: h=3 m=19
